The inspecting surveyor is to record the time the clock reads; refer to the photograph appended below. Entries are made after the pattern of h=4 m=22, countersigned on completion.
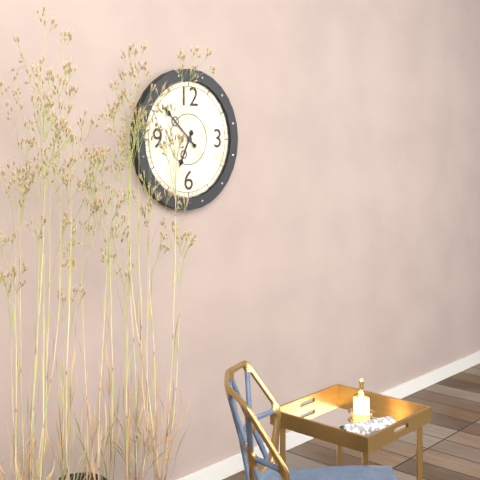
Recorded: h=6 m=52
